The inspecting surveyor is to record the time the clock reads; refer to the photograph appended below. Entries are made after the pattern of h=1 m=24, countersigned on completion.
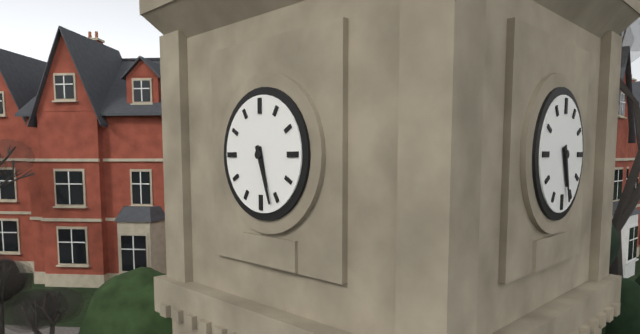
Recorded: h=5 m=27
